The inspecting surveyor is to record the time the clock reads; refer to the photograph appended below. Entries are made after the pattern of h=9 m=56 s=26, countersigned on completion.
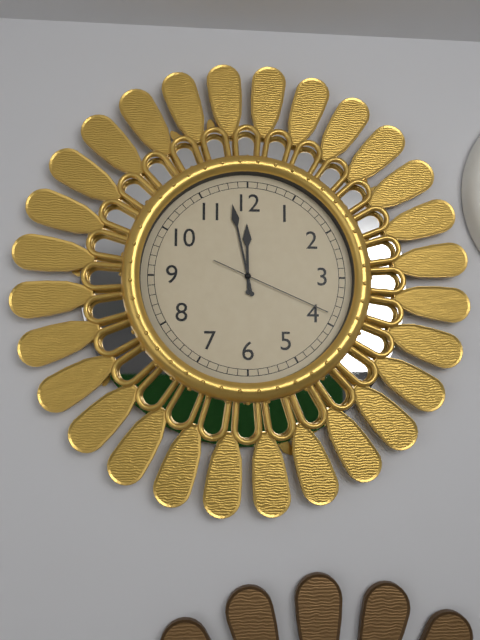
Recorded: h=11 m=58 s=19
